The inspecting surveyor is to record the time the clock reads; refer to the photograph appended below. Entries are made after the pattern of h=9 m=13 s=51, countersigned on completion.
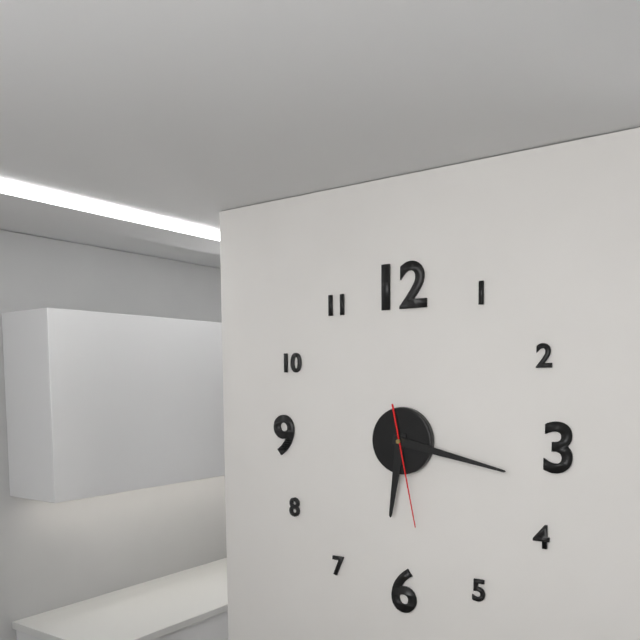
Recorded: h=6 m=17 s=28
